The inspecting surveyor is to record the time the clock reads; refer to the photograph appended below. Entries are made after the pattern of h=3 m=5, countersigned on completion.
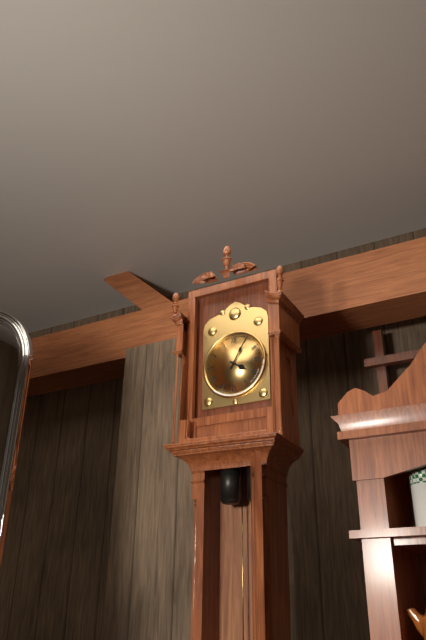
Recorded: h=4 m=5
